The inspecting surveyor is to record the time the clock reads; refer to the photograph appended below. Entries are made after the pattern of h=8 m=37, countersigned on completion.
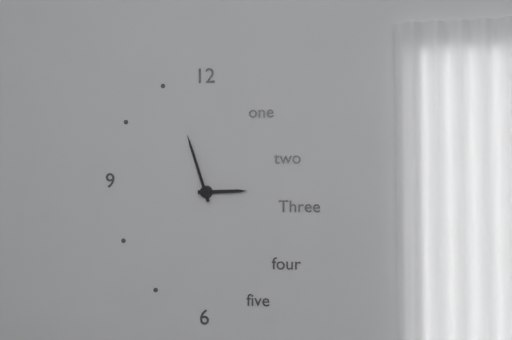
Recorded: h=2 m=57
